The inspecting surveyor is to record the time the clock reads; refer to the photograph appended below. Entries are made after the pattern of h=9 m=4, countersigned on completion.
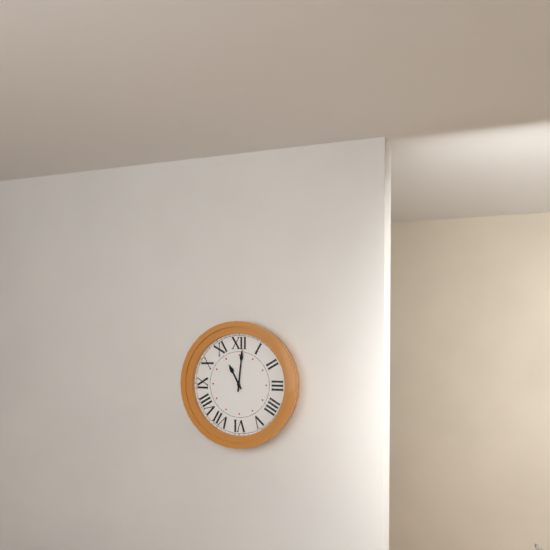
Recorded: h=11 m=1
